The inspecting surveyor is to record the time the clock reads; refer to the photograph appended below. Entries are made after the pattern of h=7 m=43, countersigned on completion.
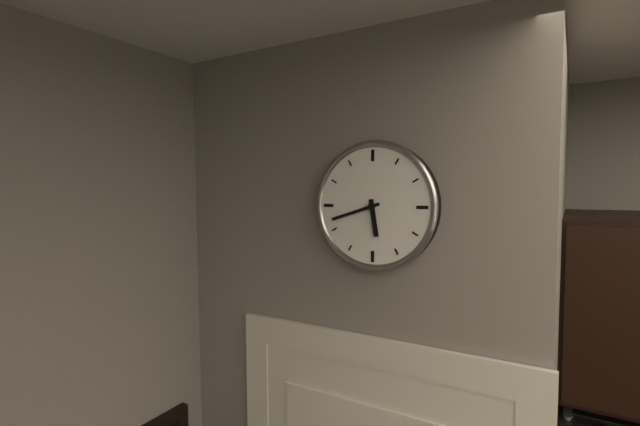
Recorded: h=5 m=42
